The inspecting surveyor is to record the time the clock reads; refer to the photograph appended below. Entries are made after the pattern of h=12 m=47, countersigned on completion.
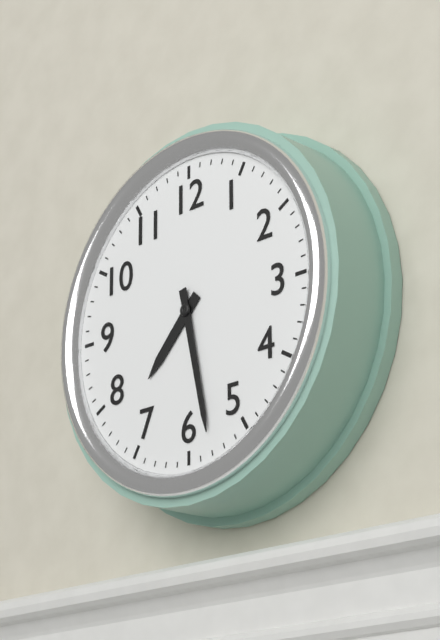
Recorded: h=7 m=28
